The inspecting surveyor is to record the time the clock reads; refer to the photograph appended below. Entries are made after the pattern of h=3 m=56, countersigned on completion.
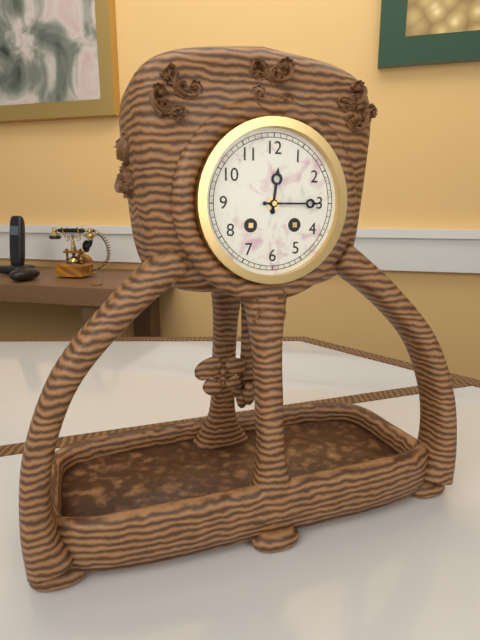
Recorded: h=12 m=15
